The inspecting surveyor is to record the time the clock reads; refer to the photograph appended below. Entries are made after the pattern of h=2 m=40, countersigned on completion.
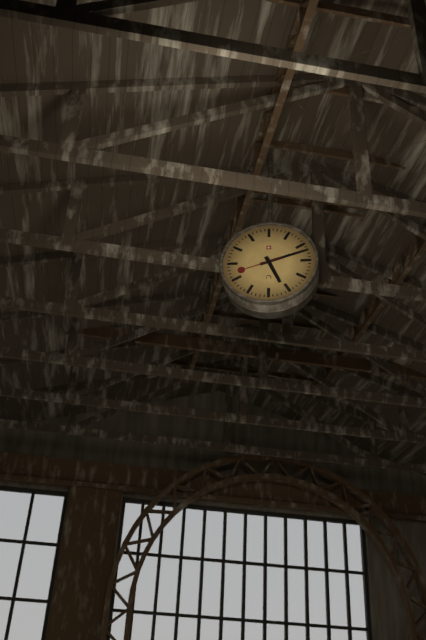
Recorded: h=5 m=12
